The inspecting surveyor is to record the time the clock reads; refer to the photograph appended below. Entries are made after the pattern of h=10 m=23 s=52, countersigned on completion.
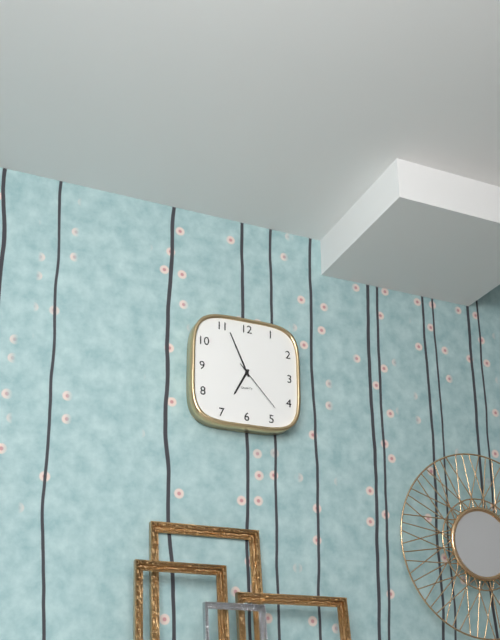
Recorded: h=6 m=56 s=23
